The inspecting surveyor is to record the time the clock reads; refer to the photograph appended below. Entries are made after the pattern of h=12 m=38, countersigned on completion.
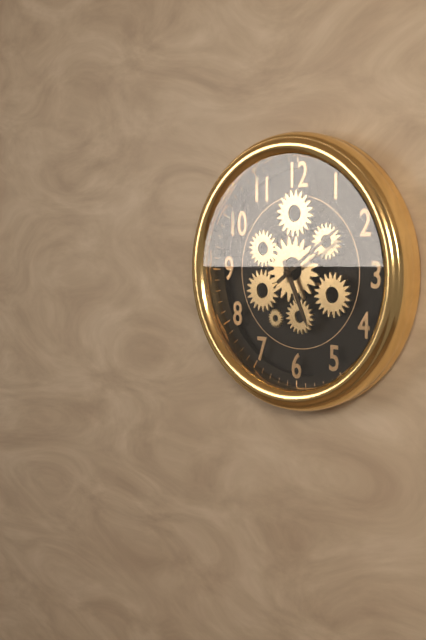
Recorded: h=5 m=9
